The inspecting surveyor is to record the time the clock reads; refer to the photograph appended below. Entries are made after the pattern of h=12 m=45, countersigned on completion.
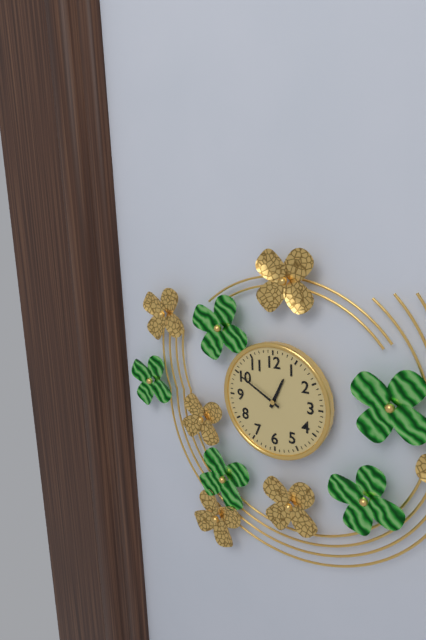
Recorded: h=12 m=50
